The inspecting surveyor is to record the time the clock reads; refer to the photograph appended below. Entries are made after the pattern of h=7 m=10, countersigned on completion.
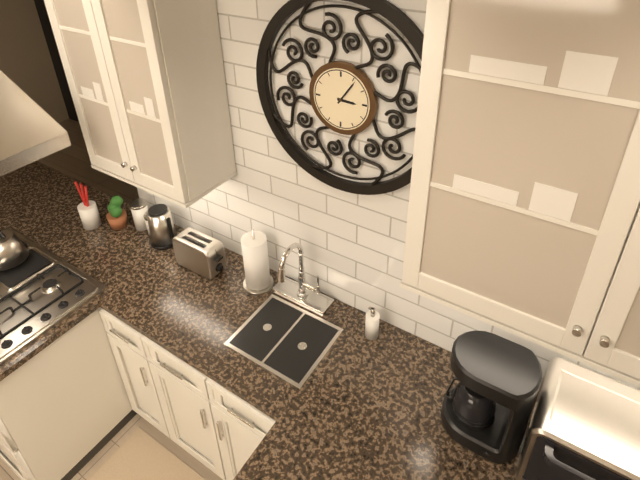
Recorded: h=3 m=6
